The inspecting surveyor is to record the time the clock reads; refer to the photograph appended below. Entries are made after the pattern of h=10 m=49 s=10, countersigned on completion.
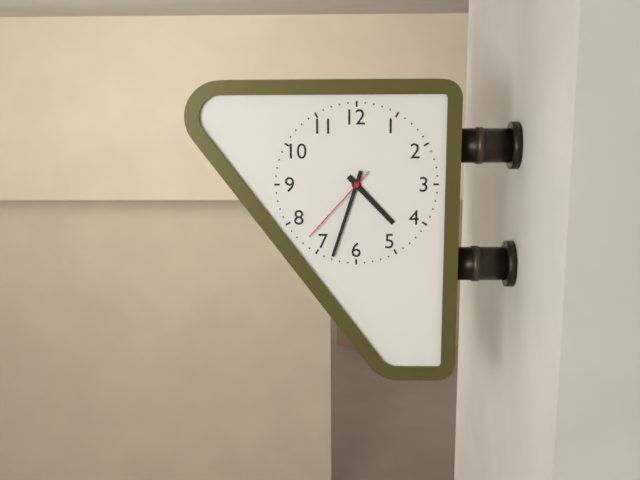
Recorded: h=4 m=33 s=37
